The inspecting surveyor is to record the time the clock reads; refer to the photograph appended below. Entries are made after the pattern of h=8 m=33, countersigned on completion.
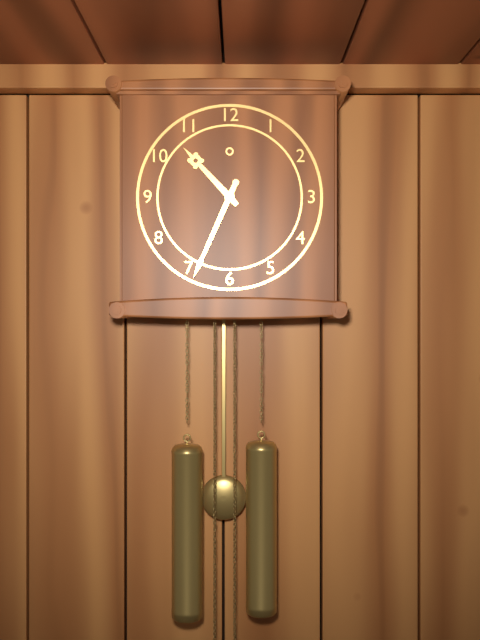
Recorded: h=10 m=34
